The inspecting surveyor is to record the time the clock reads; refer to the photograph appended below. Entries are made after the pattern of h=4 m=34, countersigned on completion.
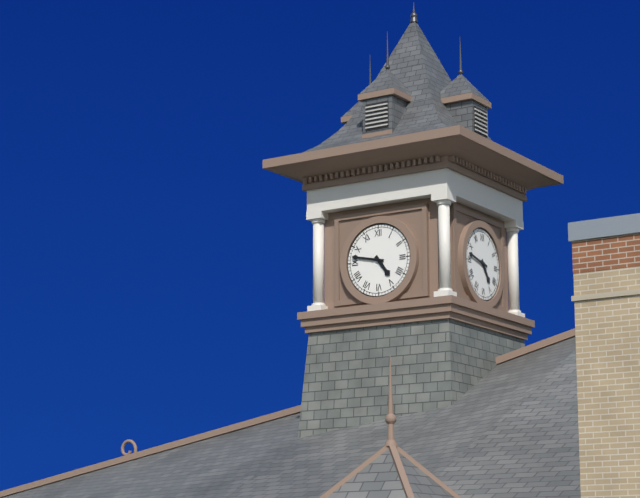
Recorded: h=4 m=47
